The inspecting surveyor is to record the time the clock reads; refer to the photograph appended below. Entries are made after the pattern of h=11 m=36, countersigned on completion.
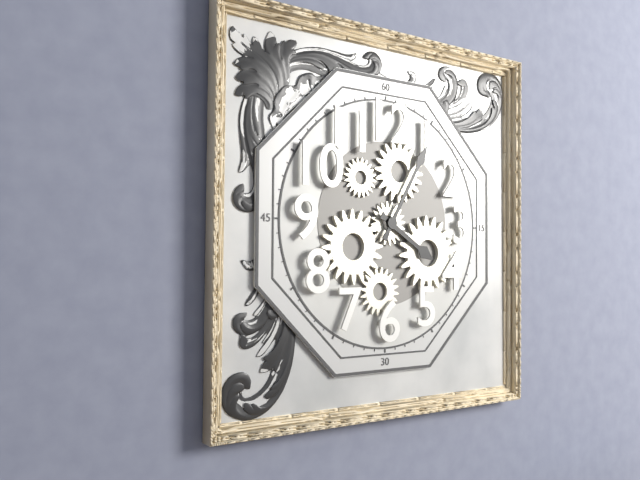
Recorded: h=4 m=5
